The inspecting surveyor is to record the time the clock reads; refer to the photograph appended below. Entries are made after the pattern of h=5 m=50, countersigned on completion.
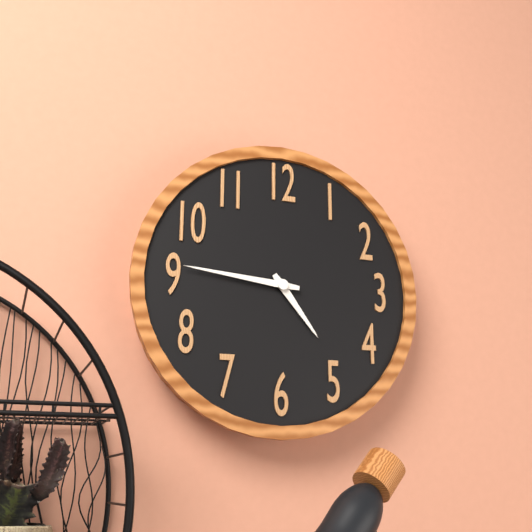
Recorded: h=4 m=46
